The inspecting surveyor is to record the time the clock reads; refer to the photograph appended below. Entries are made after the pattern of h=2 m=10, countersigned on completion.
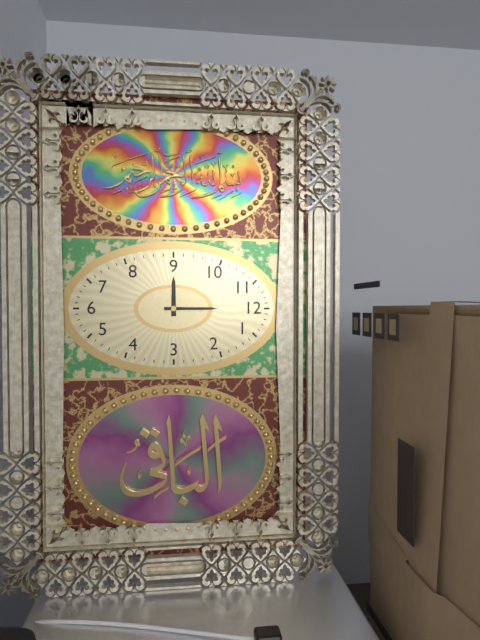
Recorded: h=9 m=0
